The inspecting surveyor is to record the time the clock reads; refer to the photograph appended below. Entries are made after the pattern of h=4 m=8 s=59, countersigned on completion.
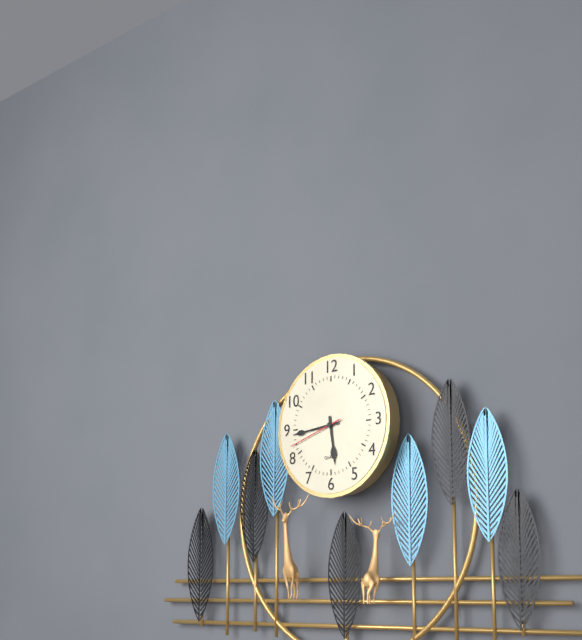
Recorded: h=5 m=44 s=42
